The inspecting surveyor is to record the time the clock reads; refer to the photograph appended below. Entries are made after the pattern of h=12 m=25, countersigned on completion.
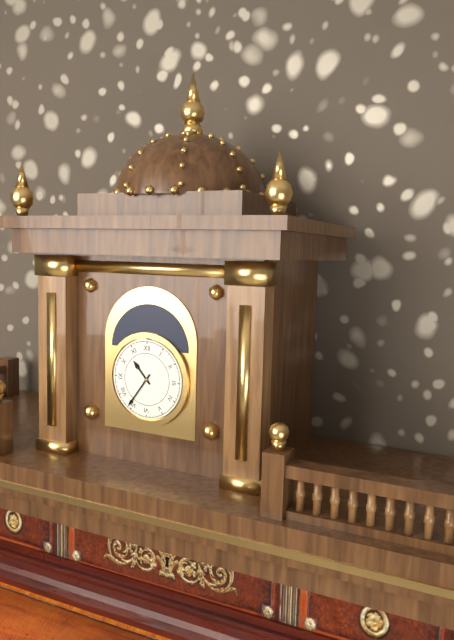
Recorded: h=10 m=36
